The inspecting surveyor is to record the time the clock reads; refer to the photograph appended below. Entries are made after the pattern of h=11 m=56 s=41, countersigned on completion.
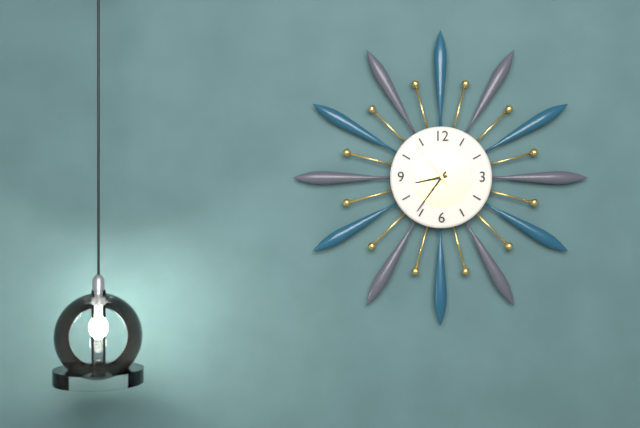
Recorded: h=8 m=36 s=54
